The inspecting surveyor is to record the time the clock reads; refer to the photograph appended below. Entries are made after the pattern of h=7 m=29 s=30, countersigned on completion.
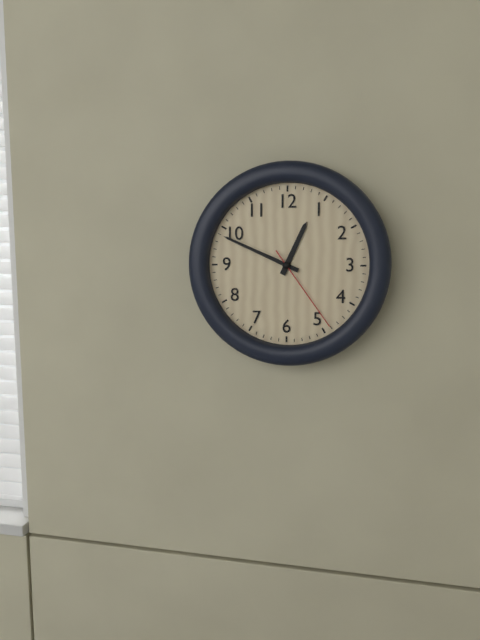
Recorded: h=12 m=49 s=24
